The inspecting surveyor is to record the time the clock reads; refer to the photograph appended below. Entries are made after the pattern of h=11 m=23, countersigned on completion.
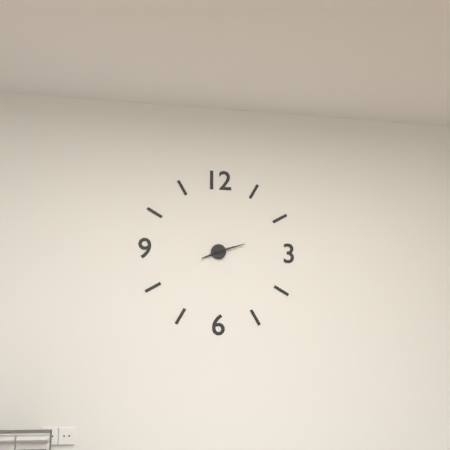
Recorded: h=8 m=12
